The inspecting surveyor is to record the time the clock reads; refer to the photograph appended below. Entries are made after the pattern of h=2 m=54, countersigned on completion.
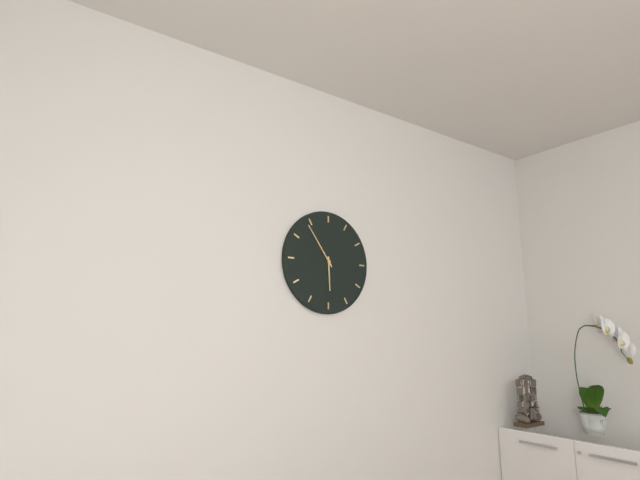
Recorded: h=5 m=54
